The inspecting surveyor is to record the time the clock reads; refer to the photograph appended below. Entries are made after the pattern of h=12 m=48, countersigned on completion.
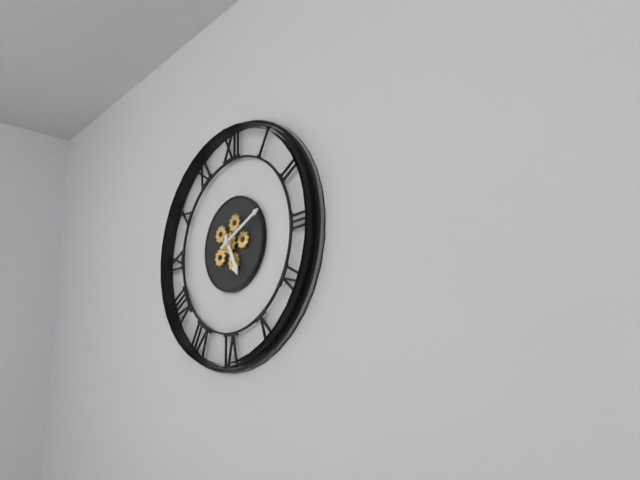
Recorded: h=5 m=11
